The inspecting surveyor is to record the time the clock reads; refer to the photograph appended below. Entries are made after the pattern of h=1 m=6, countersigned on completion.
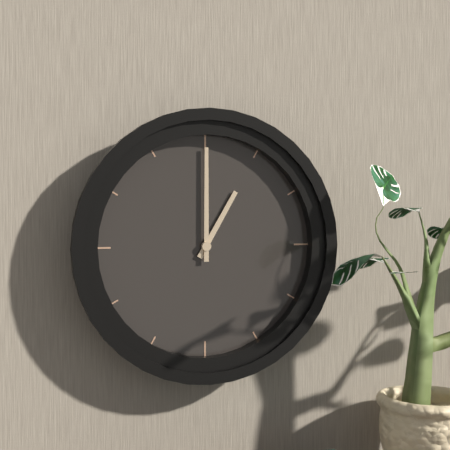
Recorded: h=1 m=0
